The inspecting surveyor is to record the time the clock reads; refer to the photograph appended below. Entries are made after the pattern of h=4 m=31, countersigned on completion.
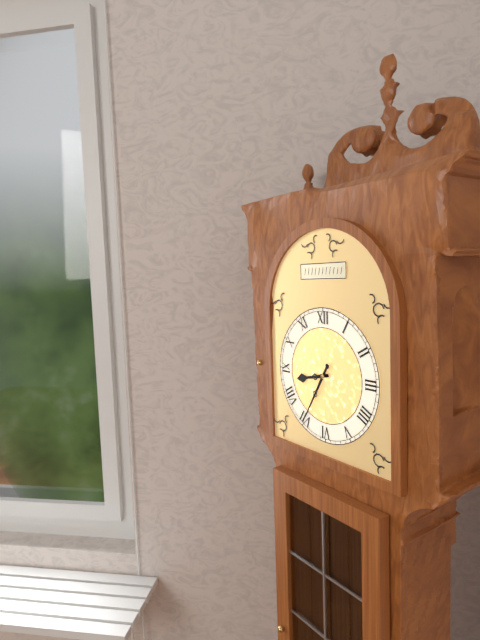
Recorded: h=8 m=35
